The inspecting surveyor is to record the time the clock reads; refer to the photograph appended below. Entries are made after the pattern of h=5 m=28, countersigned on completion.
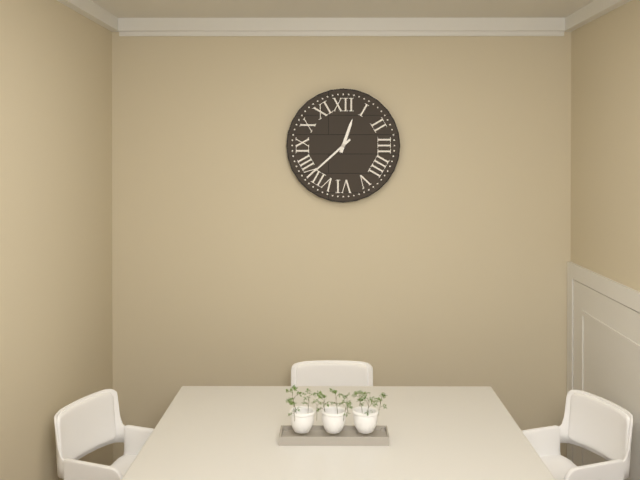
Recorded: h=12 m=38
